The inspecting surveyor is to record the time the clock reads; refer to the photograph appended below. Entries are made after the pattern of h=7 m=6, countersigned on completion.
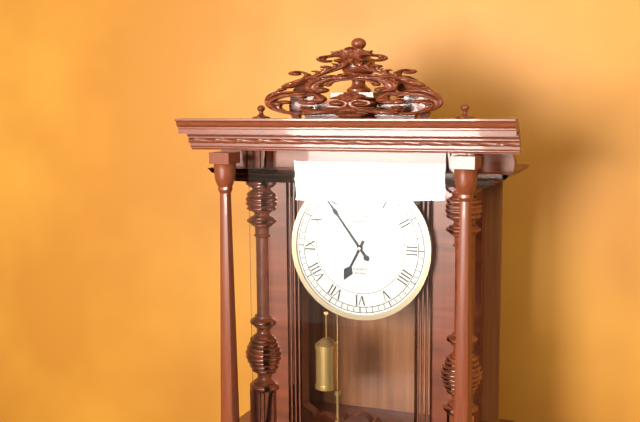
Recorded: h=6 m=54
